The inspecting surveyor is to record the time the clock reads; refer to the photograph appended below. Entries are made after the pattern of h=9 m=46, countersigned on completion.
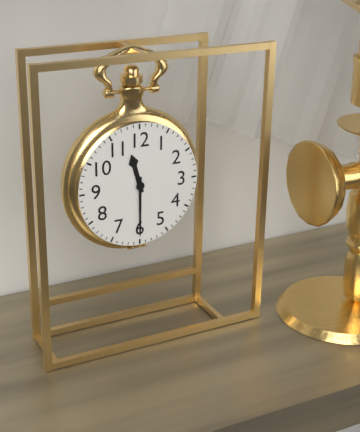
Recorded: h=11 m=30
